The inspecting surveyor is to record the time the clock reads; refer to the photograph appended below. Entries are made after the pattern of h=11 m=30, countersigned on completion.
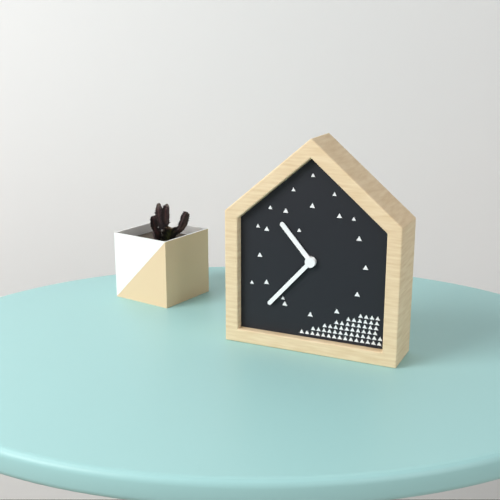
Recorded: h=10 m=37
